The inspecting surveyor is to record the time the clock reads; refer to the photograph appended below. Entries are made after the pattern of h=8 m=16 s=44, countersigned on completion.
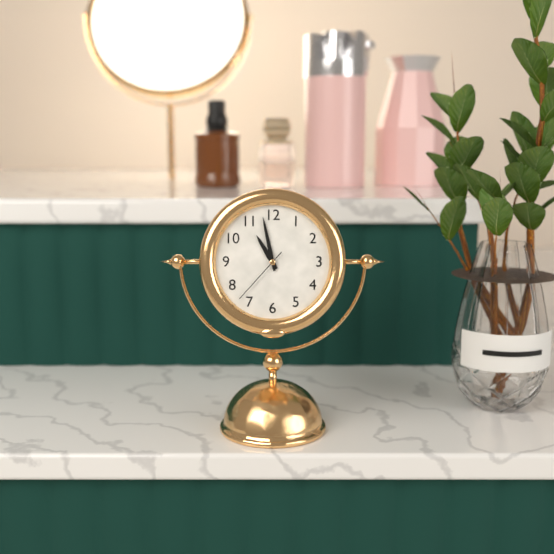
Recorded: h=10 m=58 s=37
